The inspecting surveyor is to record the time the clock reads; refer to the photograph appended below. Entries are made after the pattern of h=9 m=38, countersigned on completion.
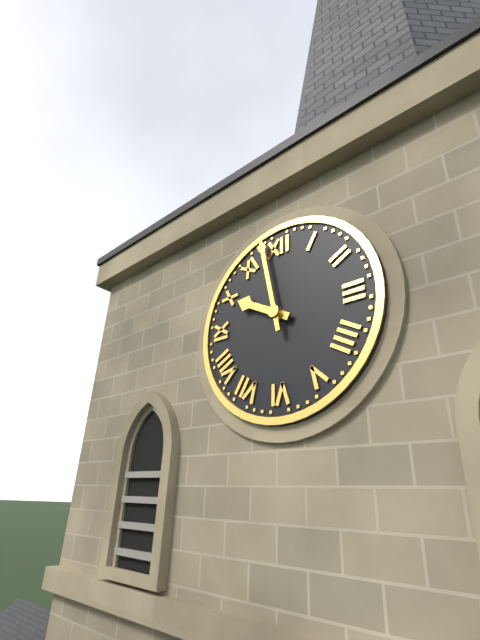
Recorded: h=9 m=58
